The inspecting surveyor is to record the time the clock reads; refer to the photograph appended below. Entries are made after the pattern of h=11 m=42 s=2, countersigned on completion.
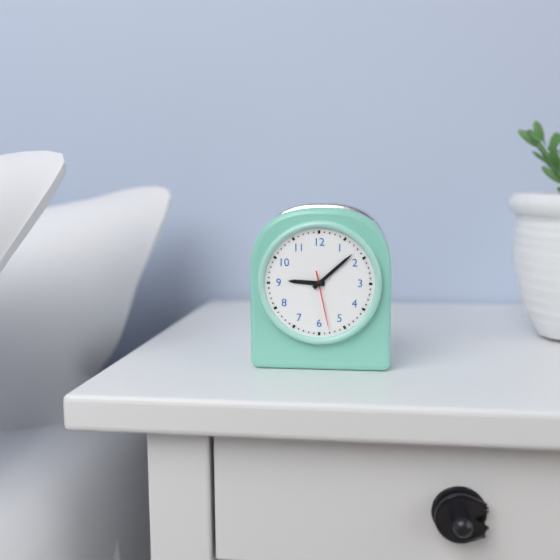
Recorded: h=9 m=8 s=28
